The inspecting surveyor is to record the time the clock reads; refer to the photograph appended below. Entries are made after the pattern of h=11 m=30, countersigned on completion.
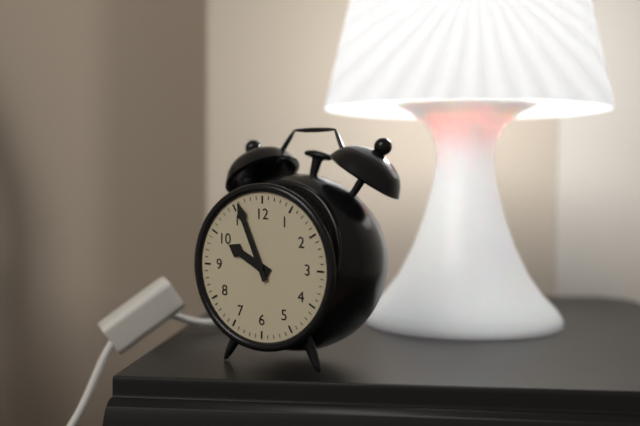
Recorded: h=9 m=56
